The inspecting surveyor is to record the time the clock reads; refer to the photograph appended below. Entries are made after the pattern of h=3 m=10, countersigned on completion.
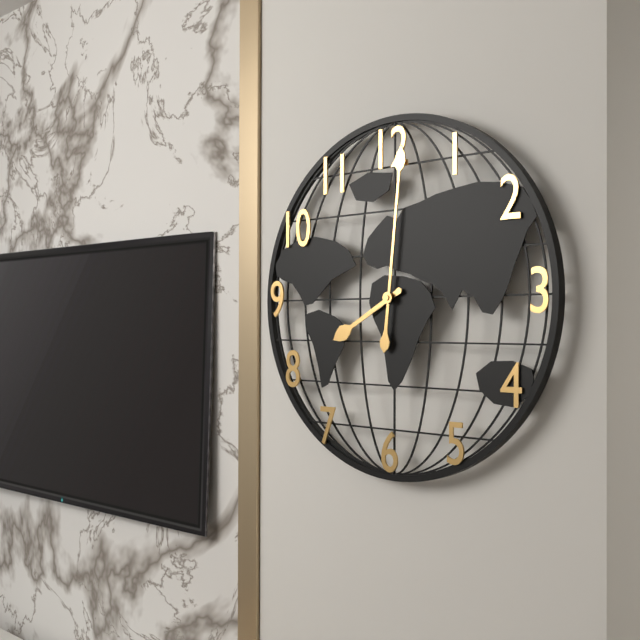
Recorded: h=8 m=1
